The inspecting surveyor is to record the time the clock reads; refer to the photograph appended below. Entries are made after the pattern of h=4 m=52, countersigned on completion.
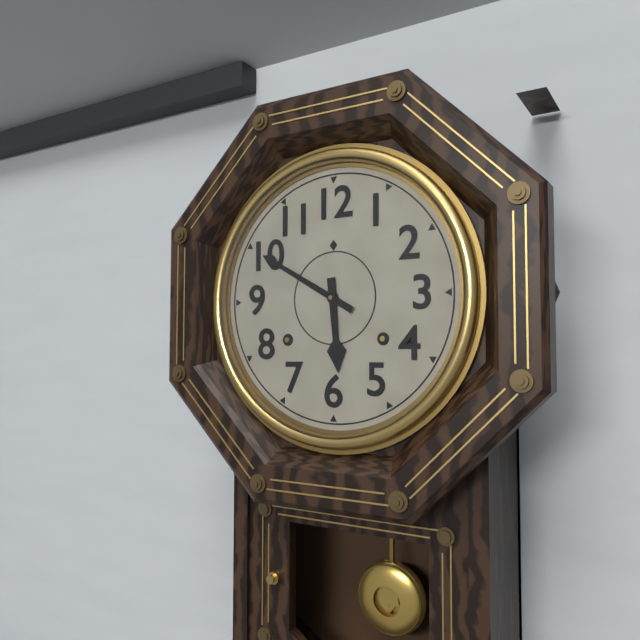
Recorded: h=5 m=50
